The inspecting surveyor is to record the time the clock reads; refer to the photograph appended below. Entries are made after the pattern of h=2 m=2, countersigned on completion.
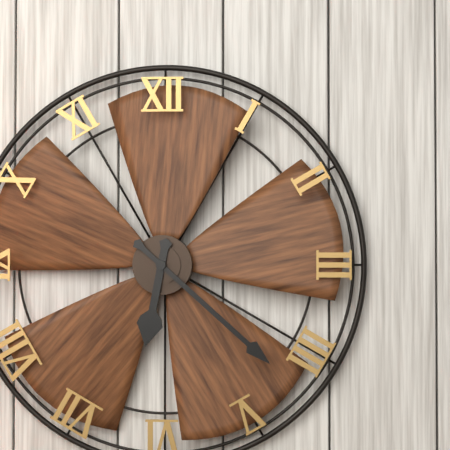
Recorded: h=6 m=22
